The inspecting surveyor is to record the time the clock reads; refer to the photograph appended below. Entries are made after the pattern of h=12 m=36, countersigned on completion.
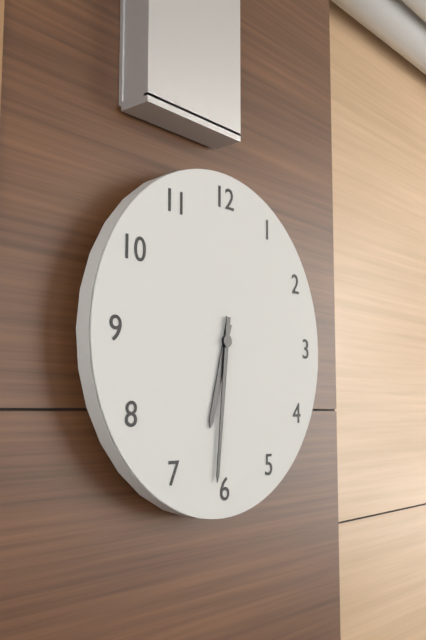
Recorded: h=6 m=31
